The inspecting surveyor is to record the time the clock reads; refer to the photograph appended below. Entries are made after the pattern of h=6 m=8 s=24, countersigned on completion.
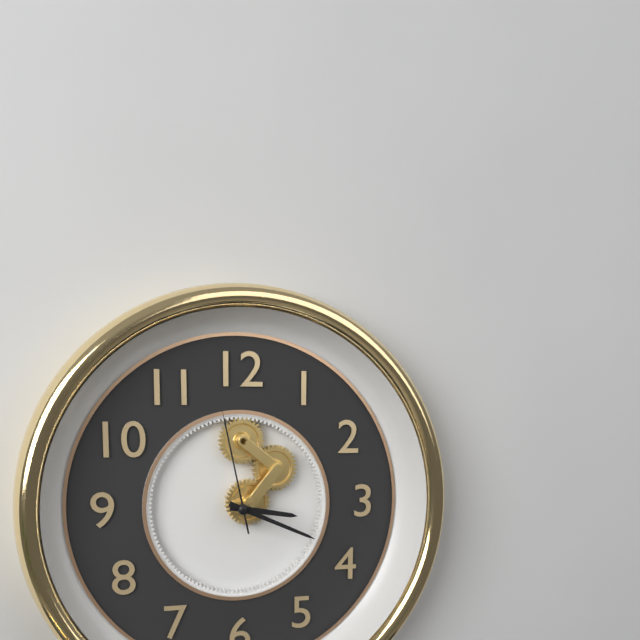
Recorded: h=3 m=19 s=58
